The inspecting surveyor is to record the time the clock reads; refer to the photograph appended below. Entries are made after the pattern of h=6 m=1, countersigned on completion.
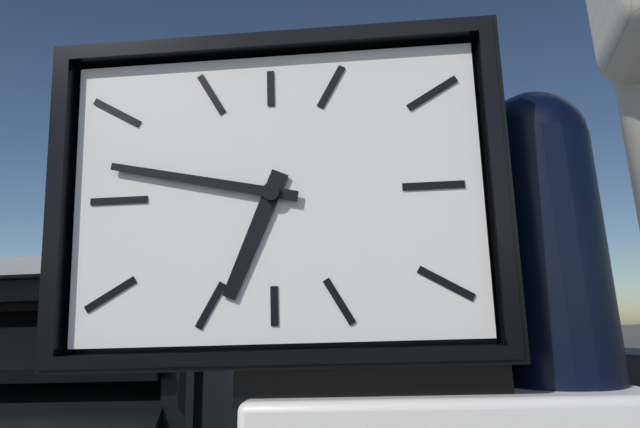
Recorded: h=6 m=47
